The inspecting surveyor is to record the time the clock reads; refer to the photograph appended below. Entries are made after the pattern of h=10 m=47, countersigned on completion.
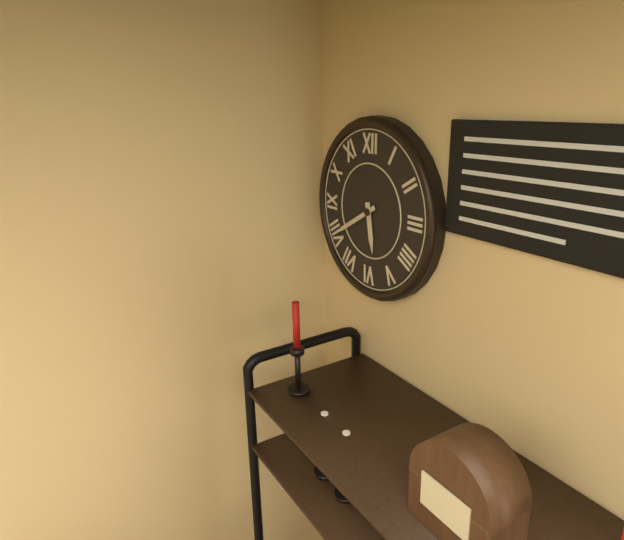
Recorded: h=5 m=40
